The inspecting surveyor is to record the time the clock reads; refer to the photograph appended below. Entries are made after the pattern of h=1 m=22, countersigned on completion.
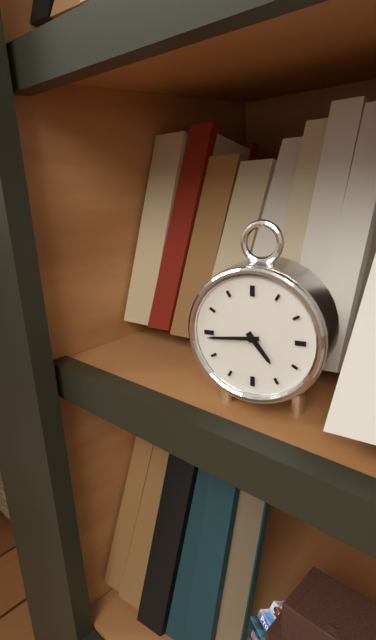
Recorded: h=4 m=44
